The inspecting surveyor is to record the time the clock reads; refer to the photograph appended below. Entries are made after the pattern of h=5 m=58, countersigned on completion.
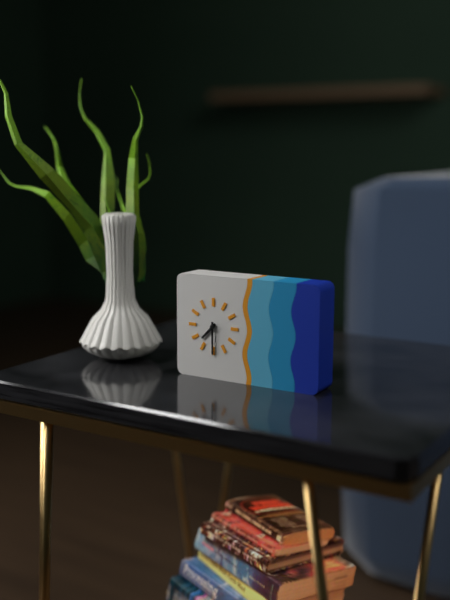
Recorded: h=7 m=30
